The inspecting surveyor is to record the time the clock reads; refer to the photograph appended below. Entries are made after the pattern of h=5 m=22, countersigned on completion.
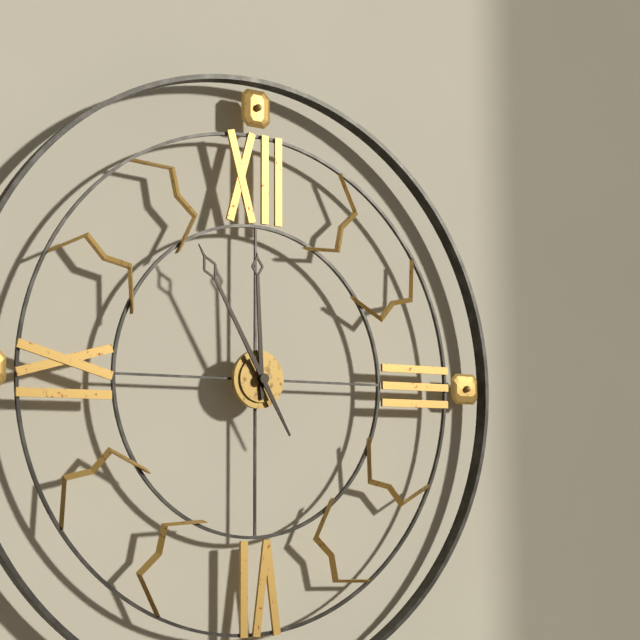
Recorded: h=11 m=55
